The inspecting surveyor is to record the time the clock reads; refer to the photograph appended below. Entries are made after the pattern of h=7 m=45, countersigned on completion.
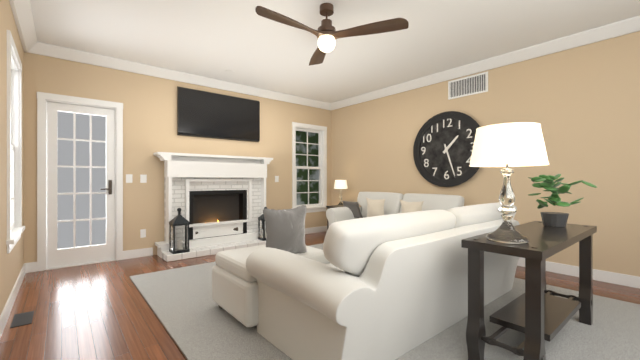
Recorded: h=1 m=27
